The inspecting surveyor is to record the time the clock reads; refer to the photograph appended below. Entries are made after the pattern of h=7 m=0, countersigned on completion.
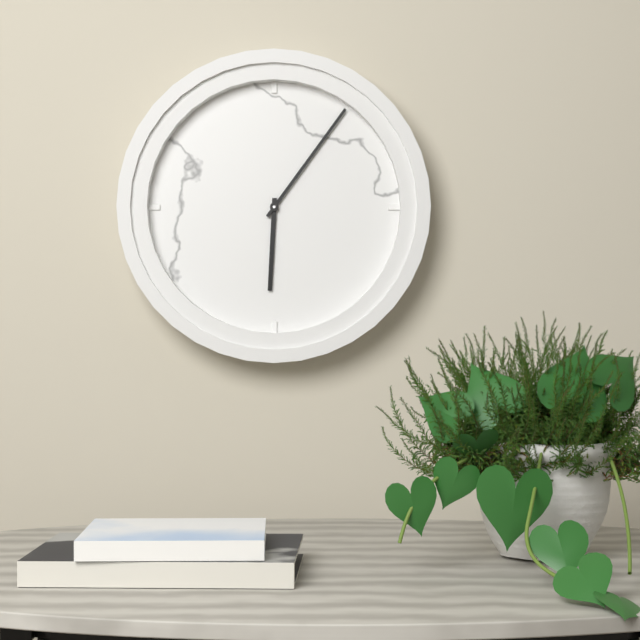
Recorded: h=6 m=6
